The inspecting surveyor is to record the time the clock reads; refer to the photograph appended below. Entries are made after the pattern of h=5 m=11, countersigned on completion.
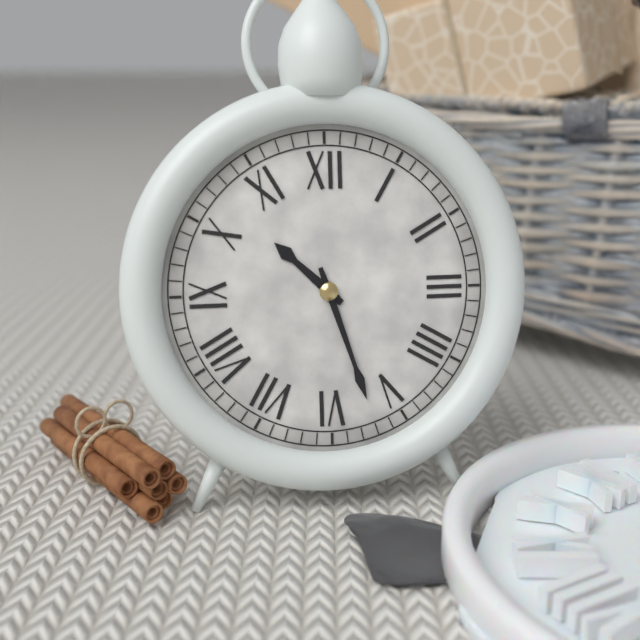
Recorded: h=10 m=27
